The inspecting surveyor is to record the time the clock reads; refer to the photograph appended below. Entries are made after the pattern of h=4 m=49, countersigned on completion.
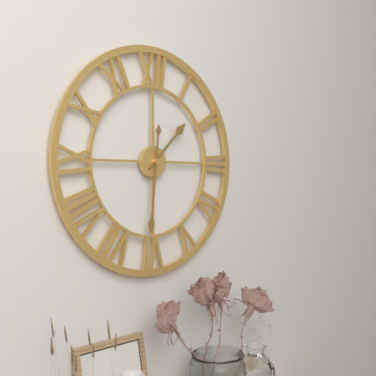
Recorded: h=1 m=31
